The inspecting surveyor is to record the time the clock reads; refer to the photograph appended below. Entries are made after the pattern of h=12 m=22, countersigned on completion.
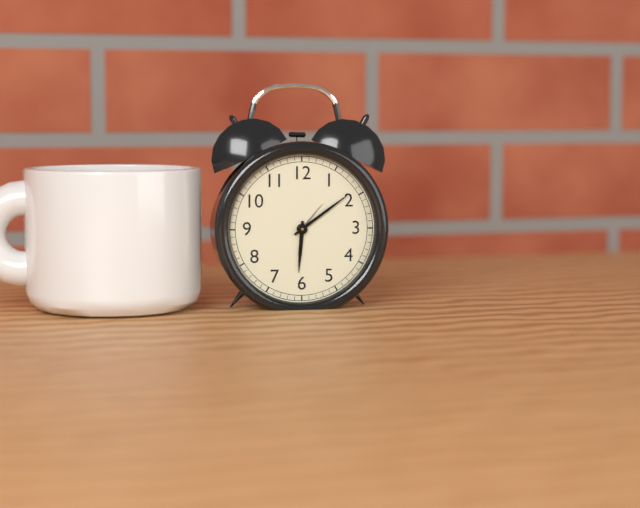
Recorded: h=6 m=9
